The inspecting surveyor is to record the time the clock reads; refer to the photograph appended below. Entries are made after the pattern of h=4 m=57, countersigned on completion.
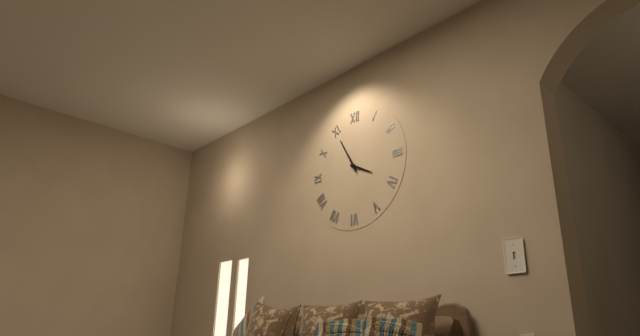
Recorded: h=3 m=55
